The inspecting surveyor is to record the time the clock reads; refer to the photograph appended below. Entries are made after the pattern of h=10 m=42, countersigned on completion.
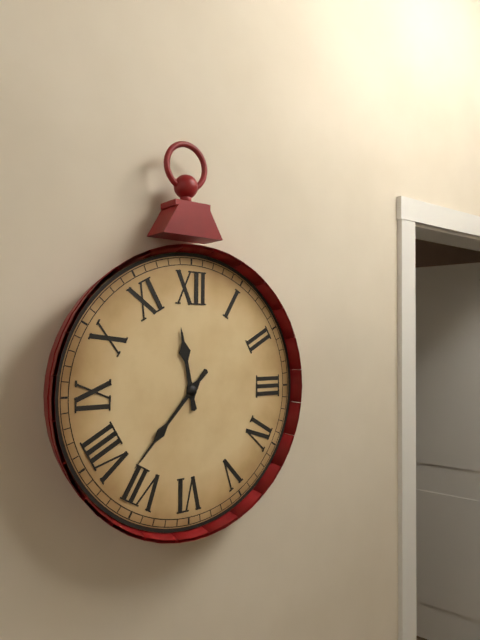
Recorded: h=11 m=37
